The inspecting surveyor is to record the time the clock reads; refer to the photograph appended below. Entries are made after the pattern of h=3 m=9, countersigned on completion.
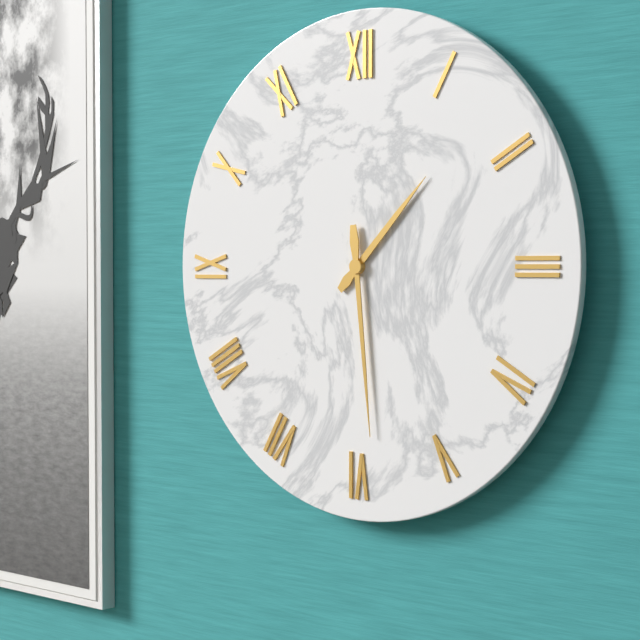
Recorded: h=1 m=29
